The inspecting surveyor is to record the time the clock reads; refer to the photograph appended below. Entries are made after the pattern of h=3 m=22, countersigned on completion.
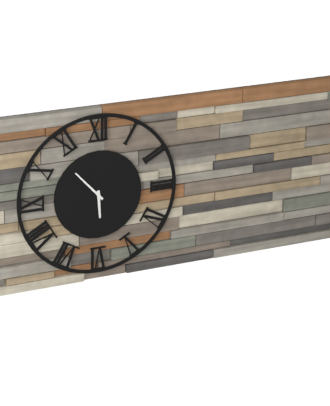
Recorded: h=5 m=53
